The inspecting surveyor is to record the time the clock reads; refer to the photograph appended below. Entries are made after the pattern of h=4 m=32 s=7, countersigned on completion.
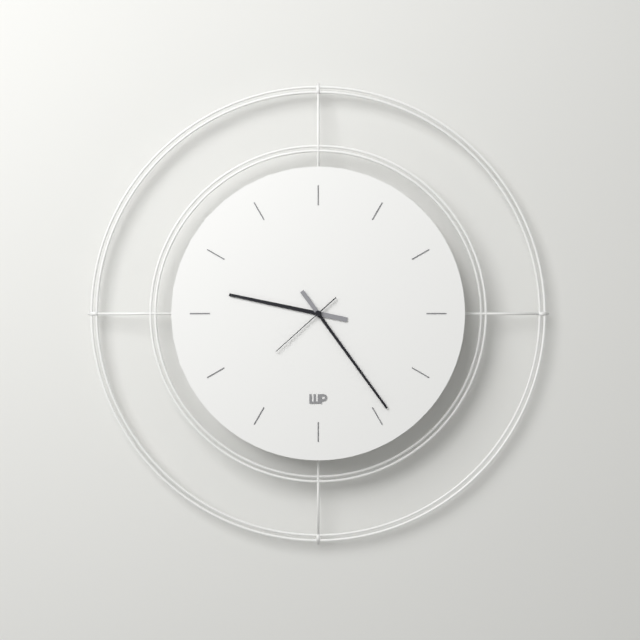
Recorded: h=9 m=24 s=38
